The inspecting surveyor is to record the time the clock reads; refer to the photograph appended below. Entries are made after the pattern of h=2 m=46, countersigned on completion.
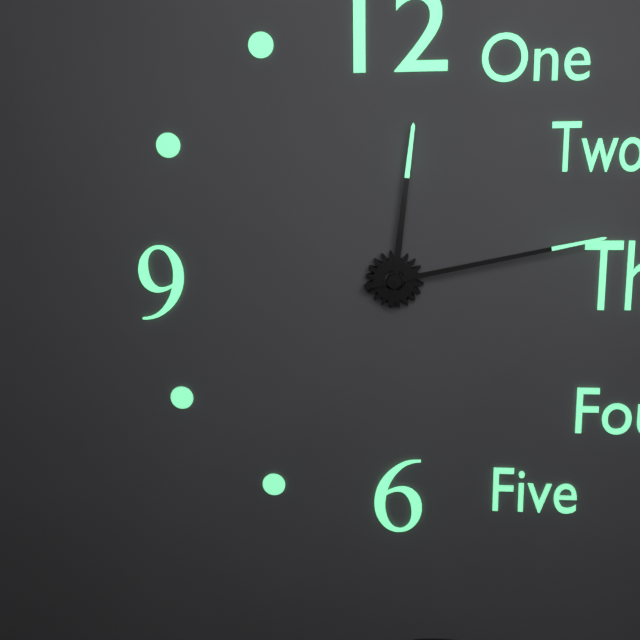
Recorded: h=12 m=13
